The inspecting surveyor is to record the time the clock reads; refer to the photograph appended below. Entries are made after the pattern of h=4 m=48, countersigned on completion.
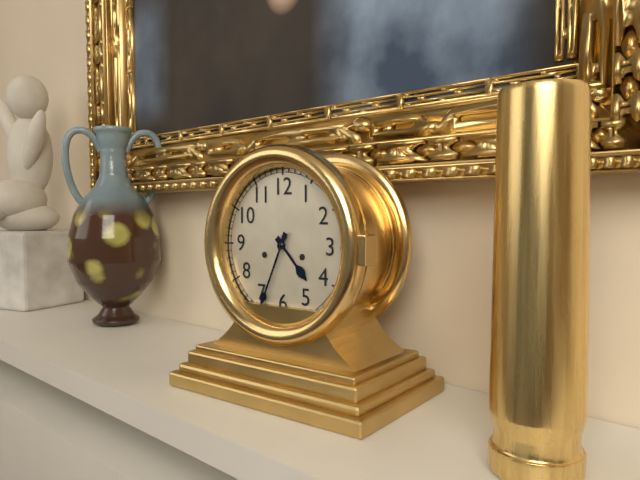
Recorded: h=4 m=34
